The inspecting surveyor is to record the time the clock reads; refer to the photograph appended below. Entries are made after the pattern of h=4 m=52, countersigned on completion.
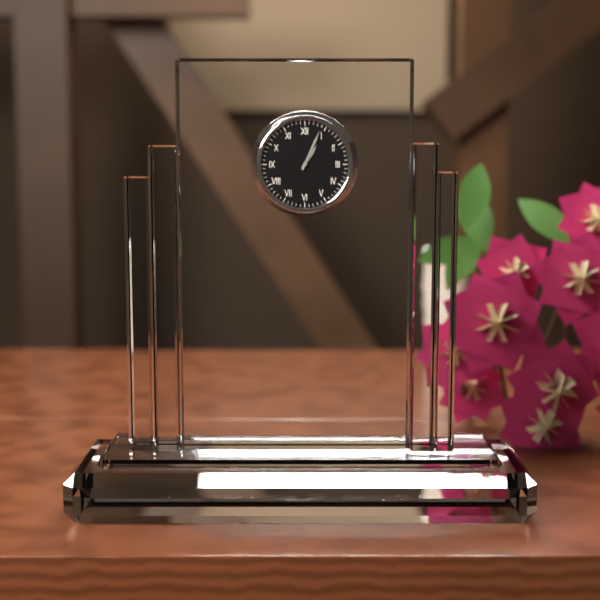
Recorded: h=1 m=4
